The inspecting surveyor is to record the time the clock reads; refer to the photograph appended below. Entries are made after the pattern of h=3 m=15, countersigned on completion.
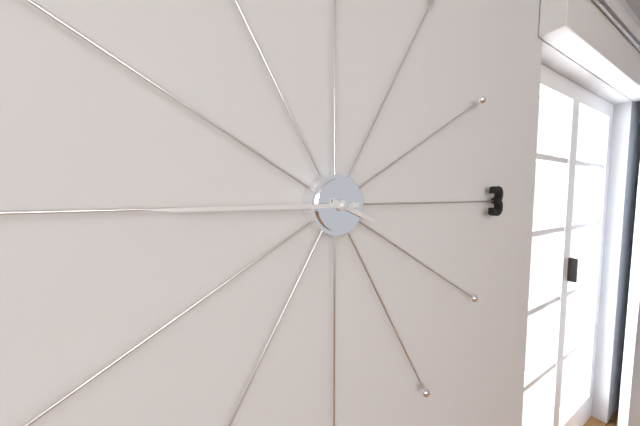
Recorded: h=3 m=45
